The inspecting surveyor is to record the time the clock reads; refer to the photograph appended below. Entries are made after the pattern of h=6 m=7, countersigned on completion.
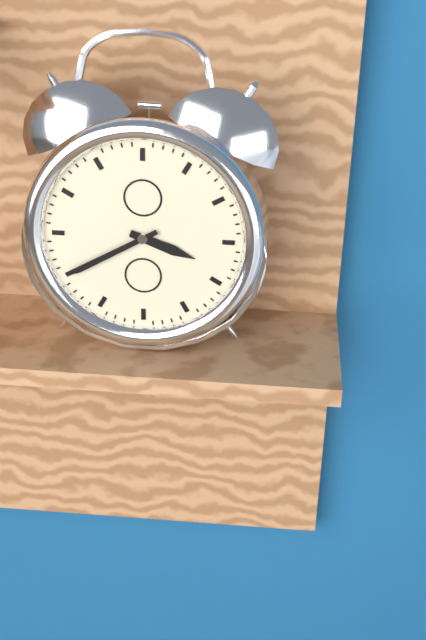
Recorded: h=3 m=40
